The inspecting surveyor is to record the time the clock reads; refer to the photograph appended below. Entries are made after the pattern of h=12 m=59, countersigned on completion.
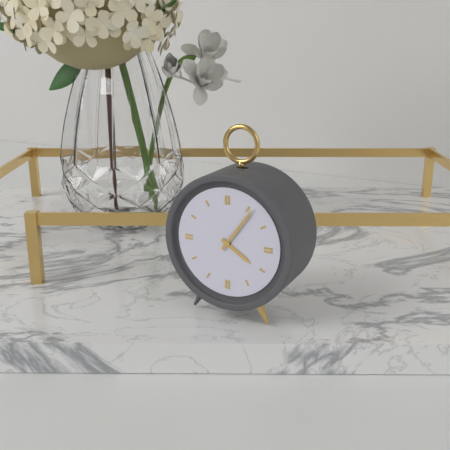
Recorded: h=4 m=6
